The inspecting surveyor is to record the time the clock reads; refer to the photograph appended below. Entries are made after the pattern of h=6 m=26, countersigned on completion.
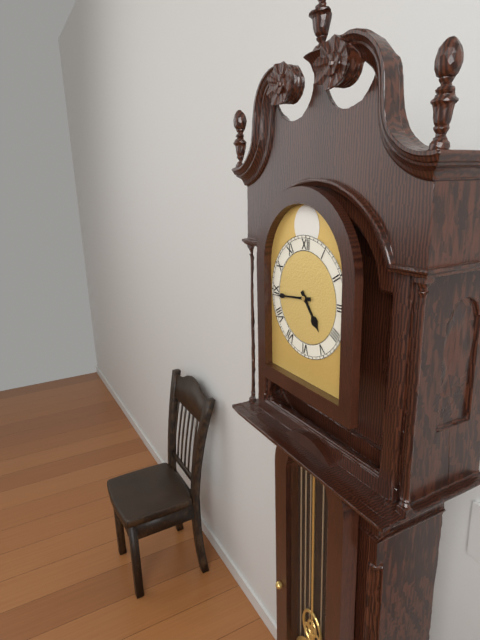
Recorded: h=4 m=44
